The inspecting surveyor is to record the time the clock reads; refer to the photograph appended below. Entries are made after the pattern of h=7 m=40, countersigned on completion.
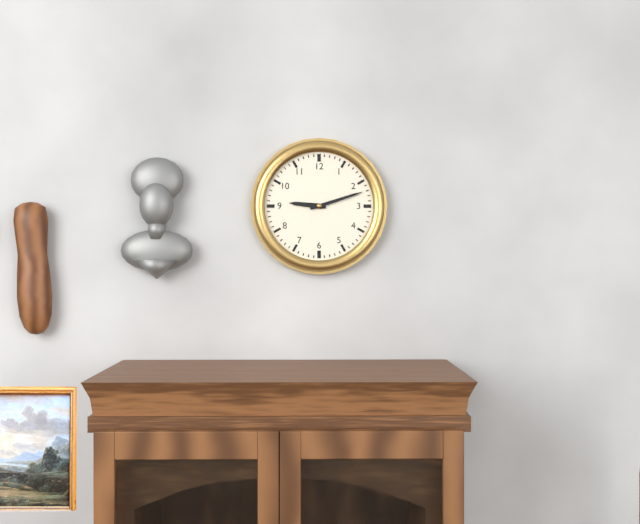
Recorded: h=9 m=12
